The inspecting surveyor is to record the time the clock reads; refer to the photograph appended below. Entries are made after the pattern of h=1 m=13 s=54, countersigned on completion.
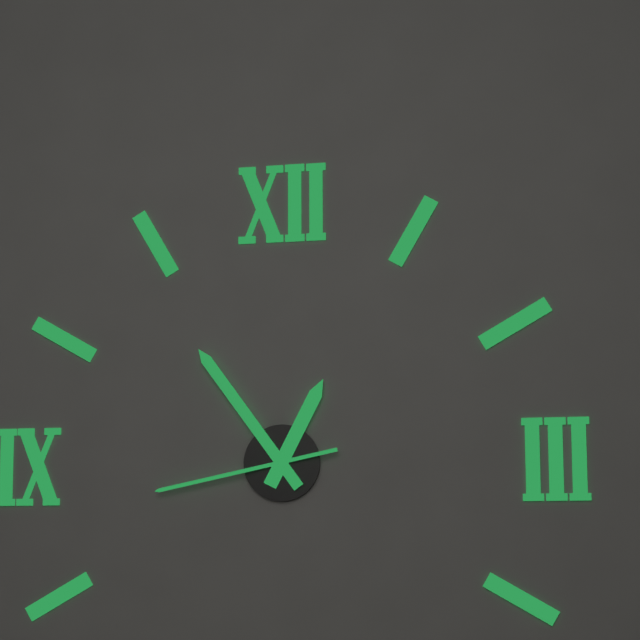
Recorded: h=12 m=54 s=43
